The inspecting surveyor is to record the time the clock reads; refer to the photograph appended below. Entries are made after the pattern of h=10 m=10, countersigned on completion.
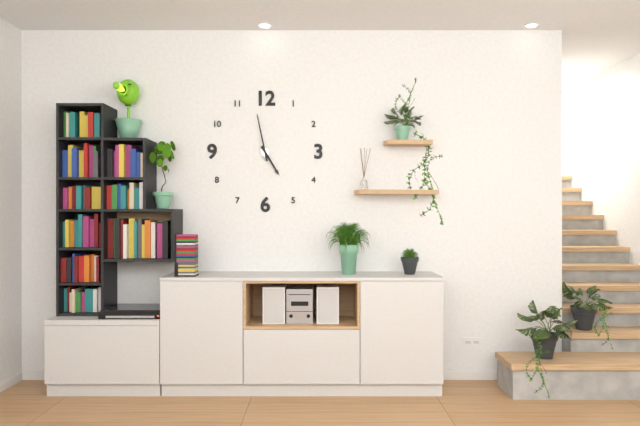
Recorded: h=4 m=58
